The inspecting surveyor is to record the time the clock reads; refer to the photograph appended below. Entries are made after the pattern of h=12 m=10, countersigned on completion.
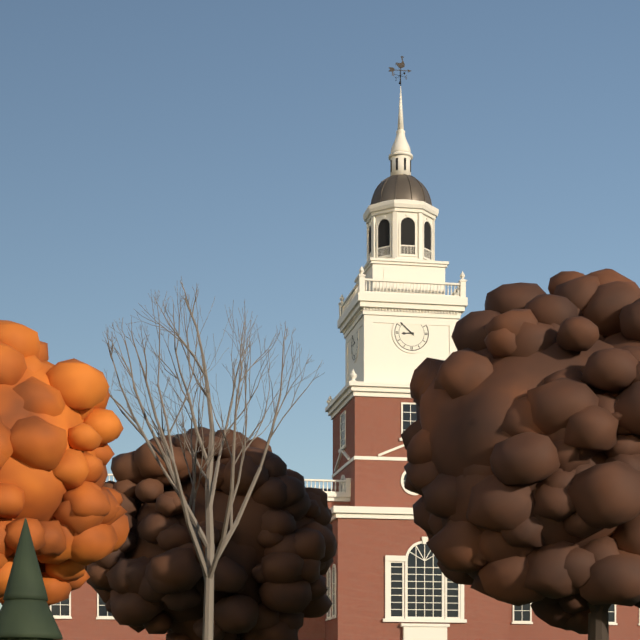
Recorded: h=8 m=52
